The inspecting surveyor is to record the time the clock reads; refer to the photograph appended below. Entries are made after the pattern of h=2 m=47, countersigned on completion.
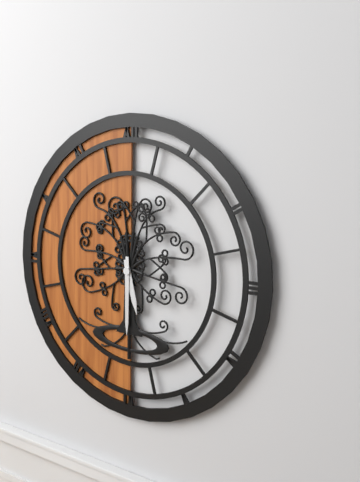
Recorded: h=5 m=30
